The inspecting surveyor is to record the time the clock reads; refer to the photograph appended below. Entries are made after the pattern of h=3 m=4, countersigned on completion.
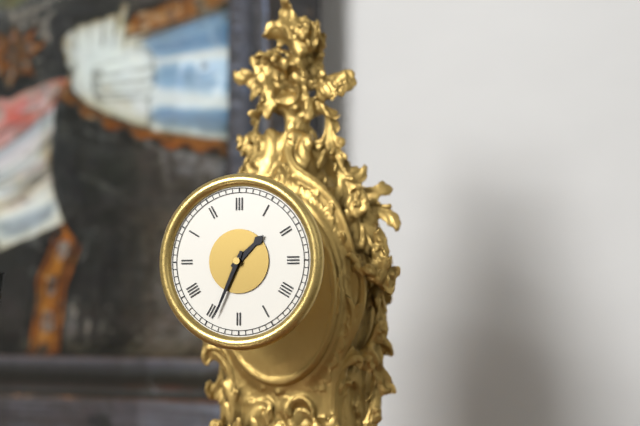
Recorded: h=1 m=34
